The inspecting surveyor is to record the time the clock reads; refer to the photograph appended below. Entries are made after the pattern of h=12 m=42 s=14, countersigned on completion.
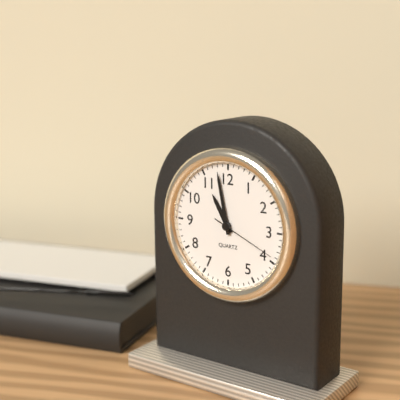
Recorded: h=10 m=58 s=19
